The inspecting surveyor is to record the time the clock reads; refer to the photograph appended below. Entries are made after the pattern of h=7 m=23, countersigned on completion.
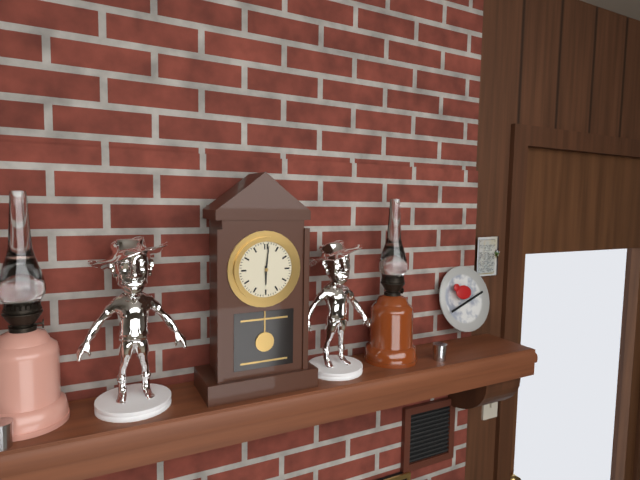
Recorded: h=6 m=1
